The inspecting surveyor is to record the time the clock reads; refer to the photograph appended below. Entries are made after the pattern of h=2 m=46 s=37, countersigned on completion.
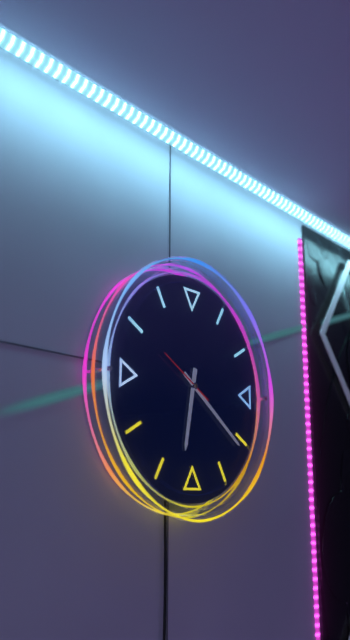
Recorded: h=6 m=21 s=50
